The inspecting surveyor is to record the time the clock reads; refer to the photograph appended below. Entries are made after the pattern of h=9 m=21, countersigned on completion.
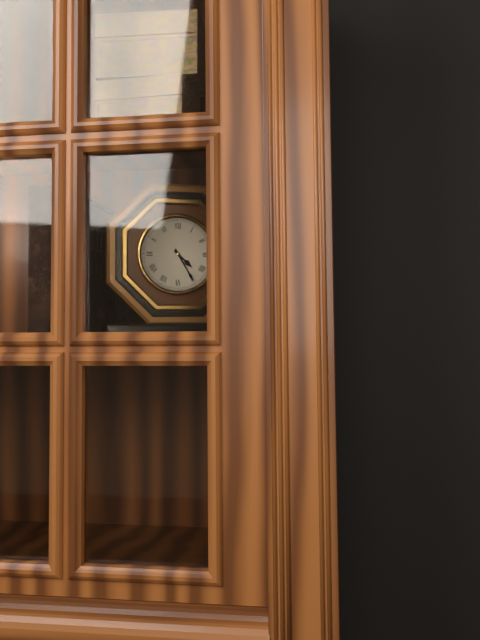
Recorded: h=4 m=25
